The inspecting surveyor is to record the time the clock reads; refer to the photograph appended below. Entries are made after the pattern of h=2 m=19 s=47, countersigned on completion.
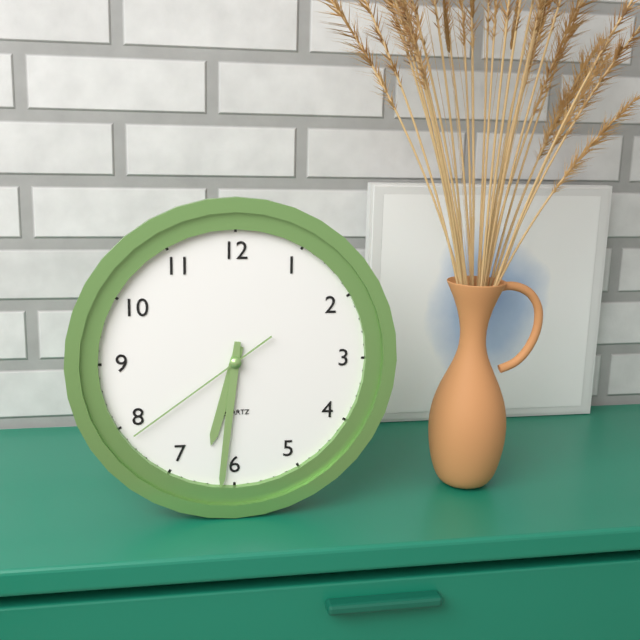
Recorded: h=6 m=31 s=39
